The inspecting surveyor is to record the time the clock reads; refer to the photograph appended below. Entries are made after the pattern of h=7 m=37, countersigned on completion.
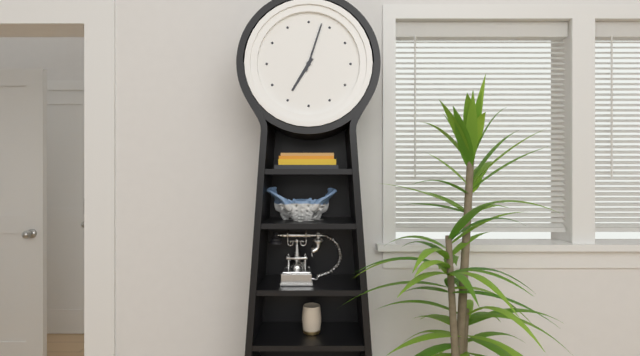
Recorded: h=7 m=3
